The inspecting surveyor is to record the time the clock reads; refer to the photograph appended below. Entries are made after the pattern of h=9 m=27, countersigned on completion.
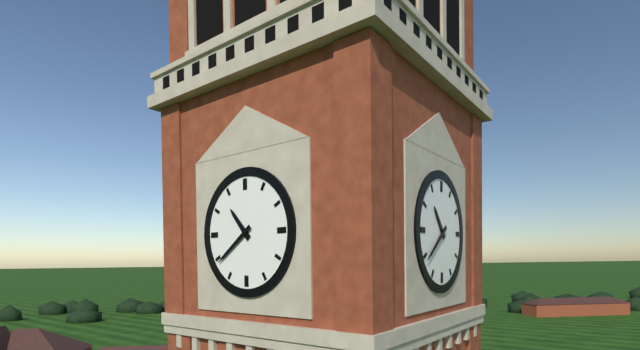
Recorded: h=10 m=39
